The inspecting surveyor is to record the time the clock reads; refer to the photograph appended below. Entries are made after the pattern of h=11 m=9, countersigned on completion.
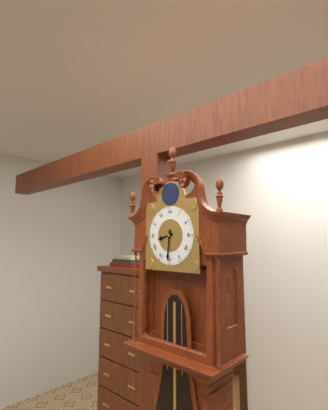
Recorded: h=8 m=31
